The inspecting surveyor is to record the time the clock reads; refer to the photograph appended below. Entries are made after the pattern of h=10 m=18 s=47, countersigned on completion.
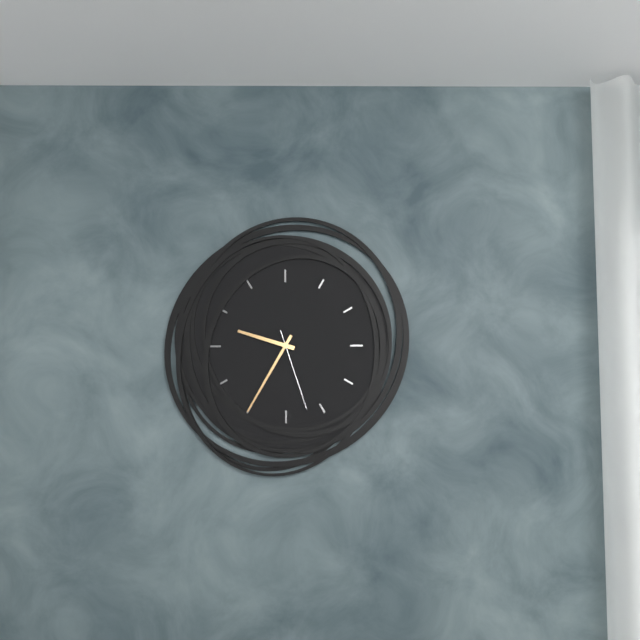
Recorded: h=9 m=35 s=27
